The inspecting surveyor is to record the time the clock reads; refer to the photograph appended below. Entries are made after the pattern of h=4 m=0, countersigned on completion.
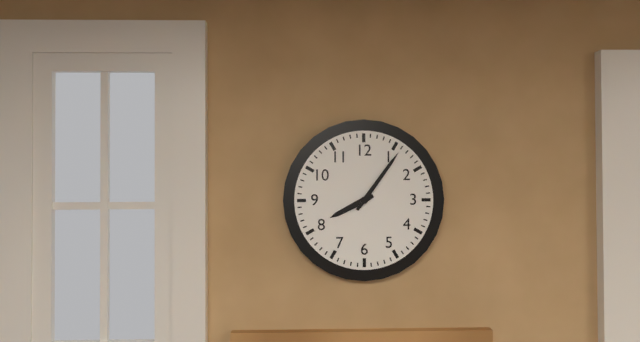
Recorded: h=8 m=6
